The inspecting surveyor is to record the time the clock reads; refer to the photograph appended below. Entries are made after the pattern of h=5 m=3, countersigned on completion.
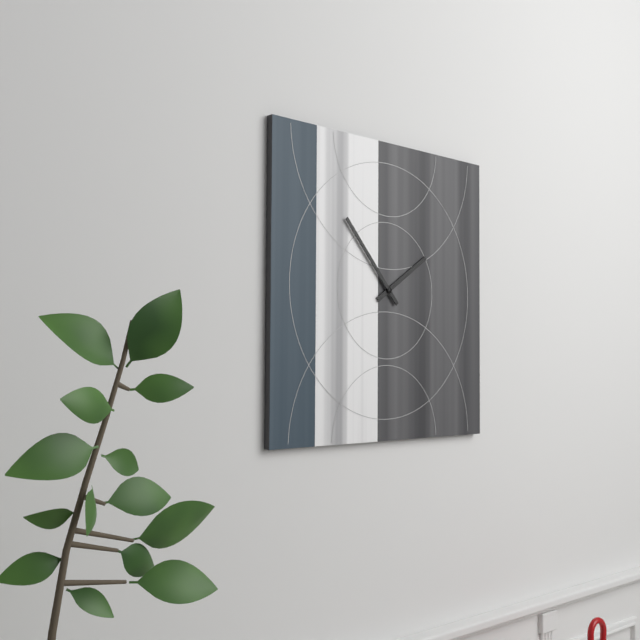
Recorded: h=1 m=53
